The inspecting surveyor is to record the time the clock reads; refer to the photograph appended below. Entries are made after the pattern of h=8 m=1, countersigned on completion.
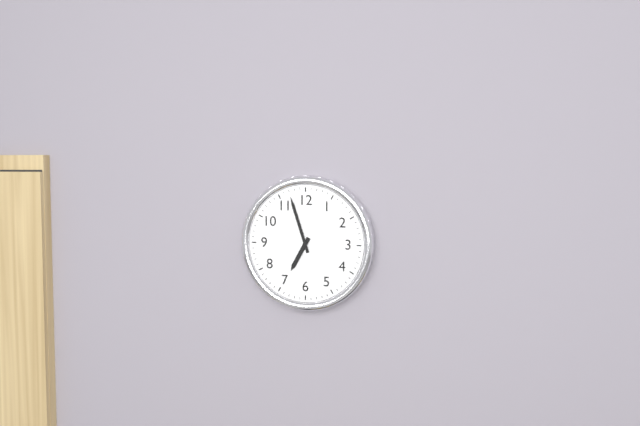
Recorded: h=6 m=57
